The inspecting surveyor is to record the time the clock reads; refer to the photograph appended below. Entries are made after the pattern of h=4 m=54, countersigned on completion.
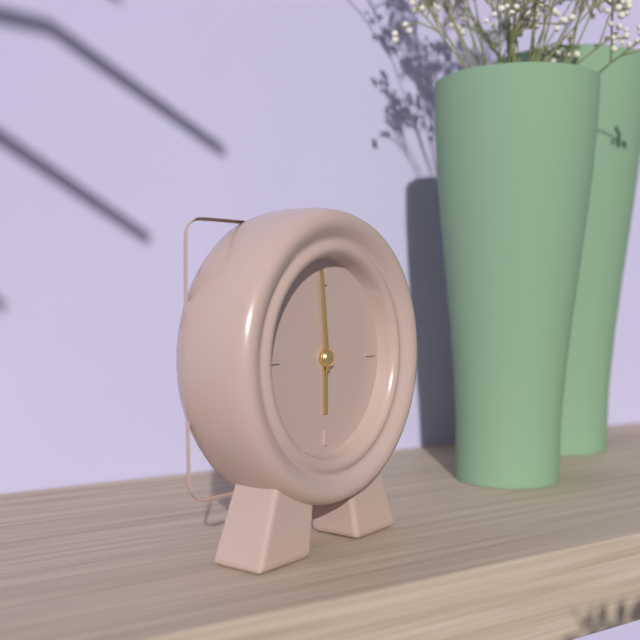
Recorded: h=5 m=59
